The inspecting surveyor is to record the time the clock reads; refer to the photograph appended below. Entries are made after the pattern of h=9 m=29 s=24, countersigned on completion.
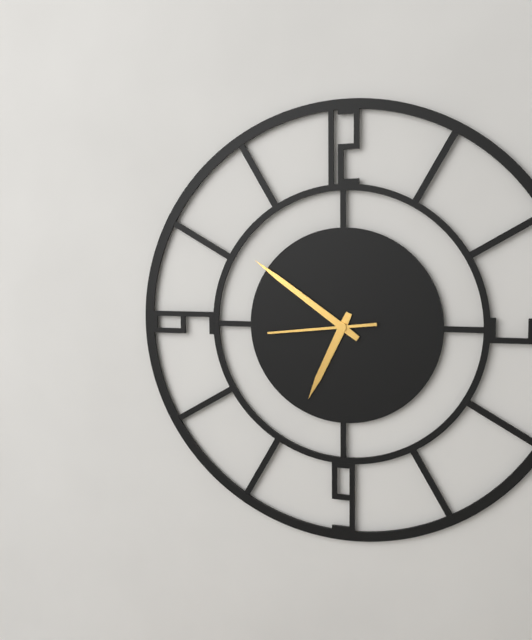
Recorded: h=6 m=51 s=44
